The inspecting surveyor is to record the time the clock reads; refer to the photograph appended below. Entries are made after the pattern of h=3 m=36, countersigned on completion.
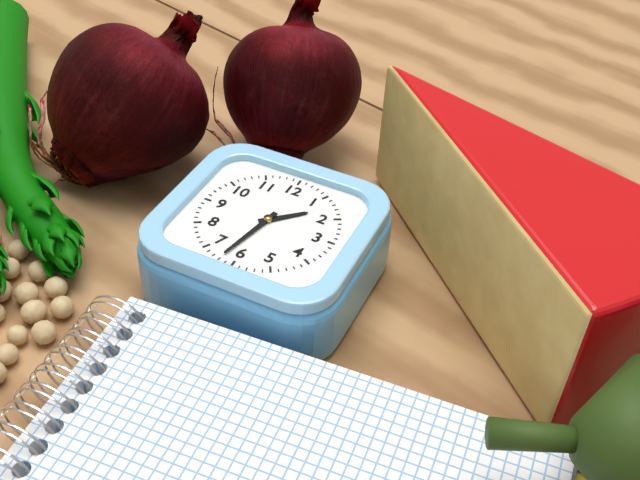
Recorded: h=1 m=32
